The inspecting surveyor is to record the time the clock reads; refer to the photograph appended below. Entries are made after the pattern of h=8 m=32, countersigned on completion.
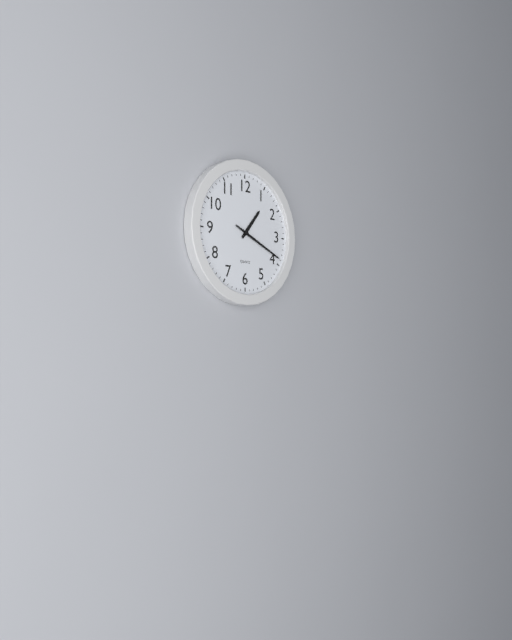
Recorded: h=1 m=19
